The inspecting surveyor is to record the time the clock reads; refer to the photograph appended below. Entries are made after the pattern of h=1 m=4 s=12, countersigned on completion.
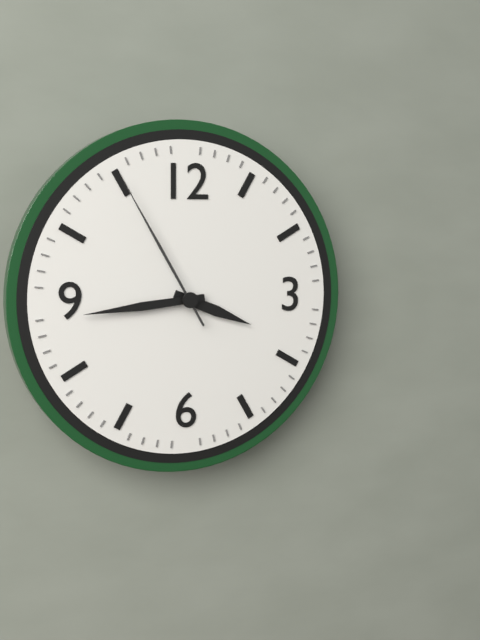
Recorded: h=3 m=44 s=55
